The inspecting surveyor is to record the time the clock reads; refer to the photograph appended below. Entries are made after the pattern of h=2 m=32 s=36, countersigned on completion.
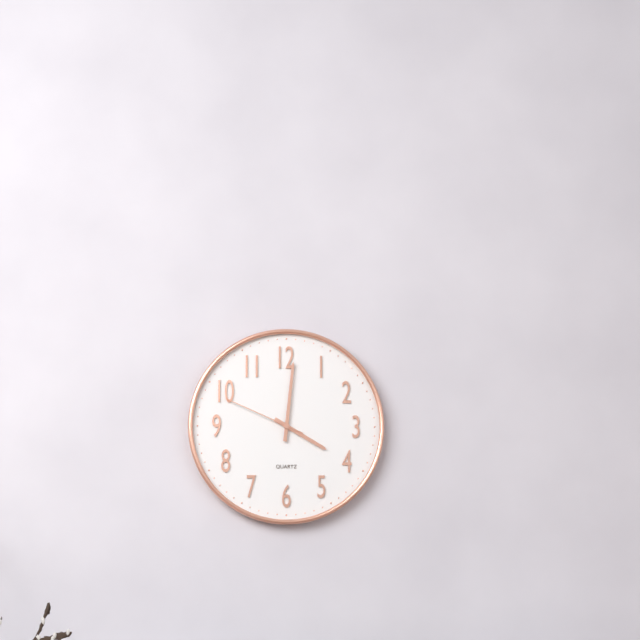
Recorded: h=4 m=1 s=49
